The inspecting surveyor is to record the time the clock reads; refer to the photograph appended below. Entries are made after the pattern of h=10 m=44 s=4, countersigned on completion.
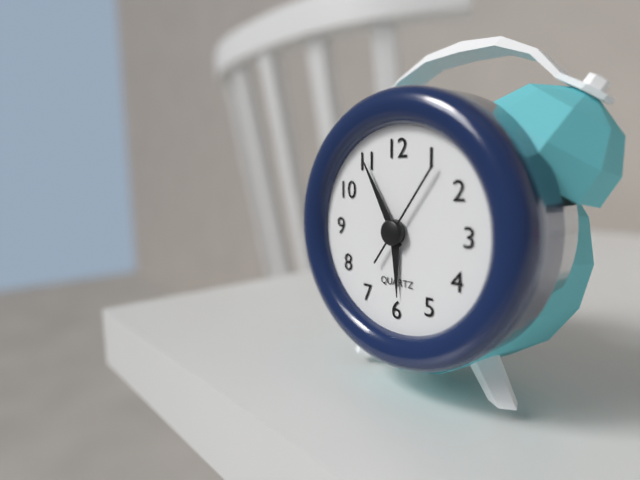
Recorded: h=5 m=55 s=6
